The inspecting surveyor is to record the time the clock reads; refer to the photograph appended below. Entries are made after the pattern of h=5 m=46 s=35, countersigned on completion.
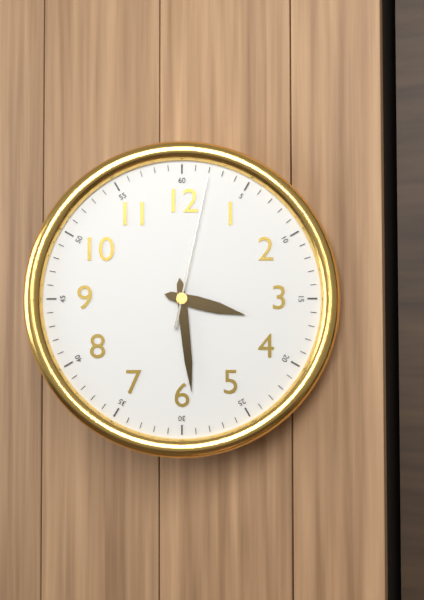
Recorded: h=3 m=29 s=2
